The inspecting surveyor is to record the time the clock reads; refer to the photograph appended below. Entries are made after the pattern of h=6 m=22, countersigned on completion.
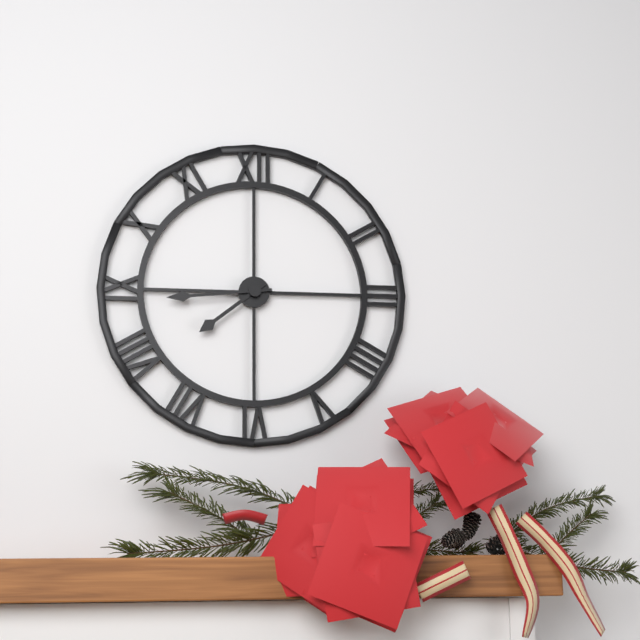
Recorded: h=7 m=44
